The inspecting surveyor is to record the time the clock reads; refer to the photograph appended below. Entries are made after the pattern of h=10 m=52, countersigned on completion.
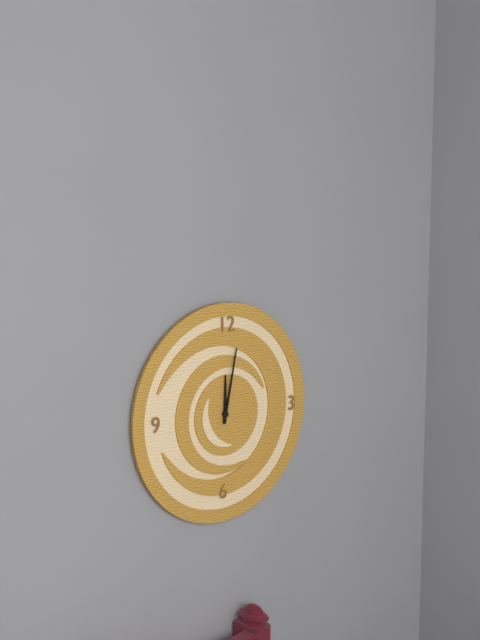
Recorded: h=12 m=2
